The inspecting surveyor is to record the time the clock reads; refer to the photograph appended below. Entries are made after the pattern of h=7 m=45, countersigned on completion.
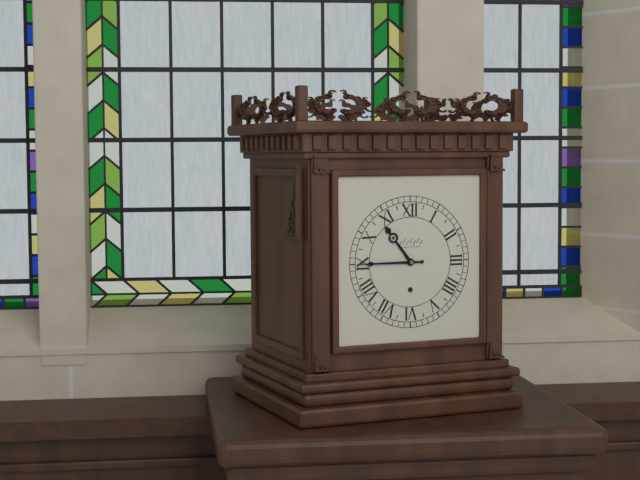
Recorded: h=10 m=45
